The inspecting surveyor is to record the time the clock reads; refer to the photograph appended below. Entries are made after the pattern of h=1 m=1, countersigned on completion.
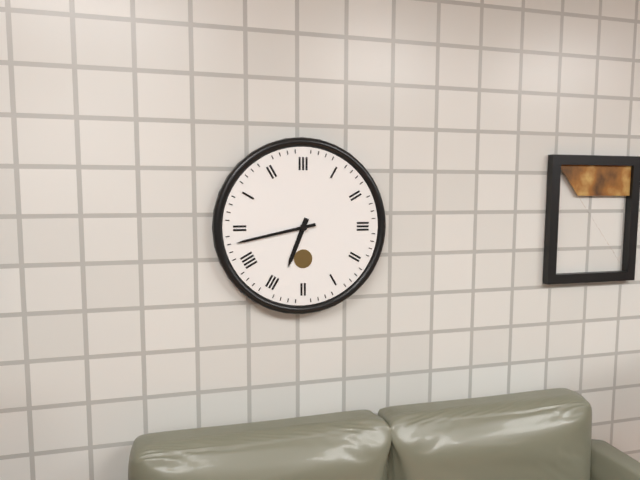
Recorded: h=6 m=43
